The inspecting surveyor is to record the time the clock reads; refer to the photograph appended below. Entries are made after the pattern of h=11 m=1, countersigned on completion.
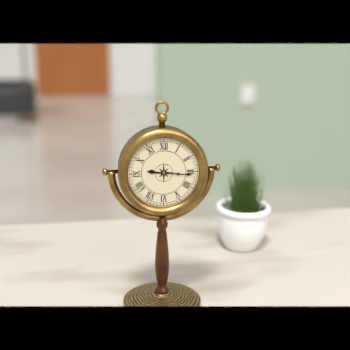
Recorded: h=9 m=16
